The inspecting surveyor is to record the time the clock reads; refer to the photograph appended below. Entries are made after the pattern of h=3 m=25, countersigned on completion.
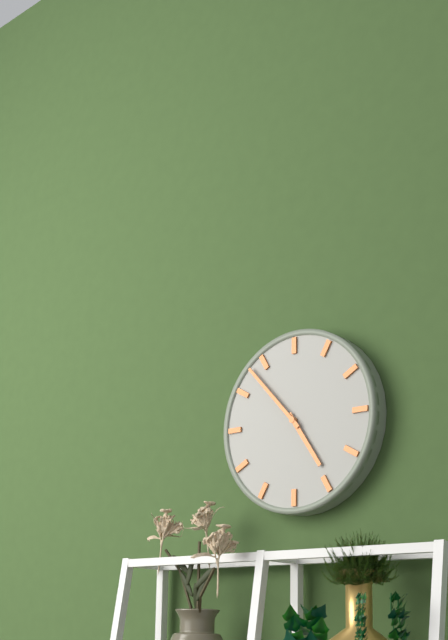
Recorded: h=4 m=53
